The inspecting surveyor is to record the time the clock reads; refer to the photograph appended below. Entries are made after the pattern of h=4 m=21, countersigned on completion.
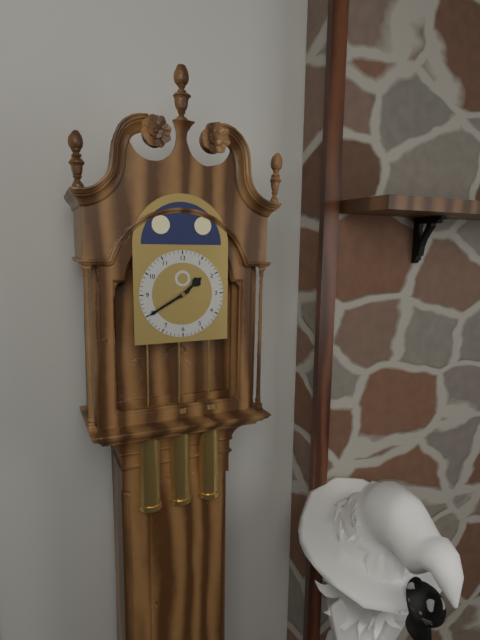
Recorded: h=1 m=40
